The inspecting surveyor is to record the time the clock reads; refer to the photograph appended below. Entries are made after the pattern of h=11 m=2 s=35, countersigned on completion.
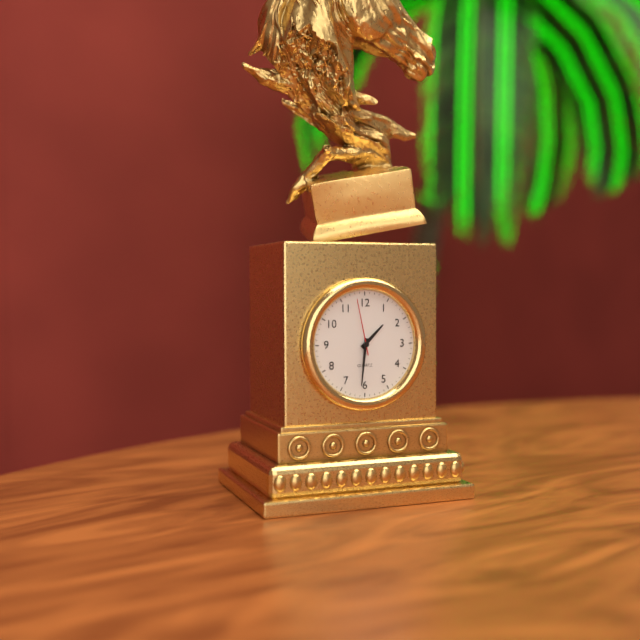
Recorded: h=1 m=31 s=58
